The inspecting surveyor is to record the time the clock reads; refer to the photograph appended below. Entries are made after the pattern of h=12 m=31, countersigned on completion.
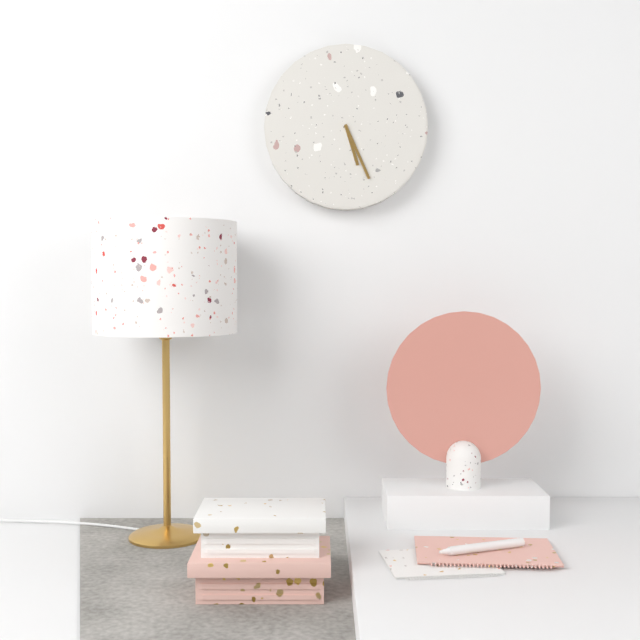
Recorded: h=5 m=26
